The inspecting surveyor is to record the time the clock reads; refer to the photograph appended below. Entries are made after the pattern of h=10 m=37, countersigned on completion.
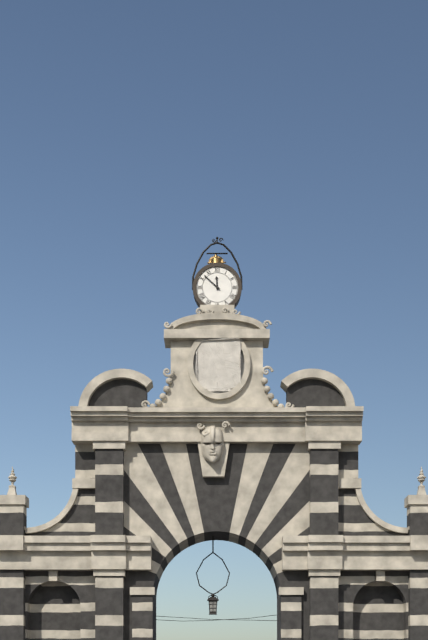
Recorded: h=11 m=52
